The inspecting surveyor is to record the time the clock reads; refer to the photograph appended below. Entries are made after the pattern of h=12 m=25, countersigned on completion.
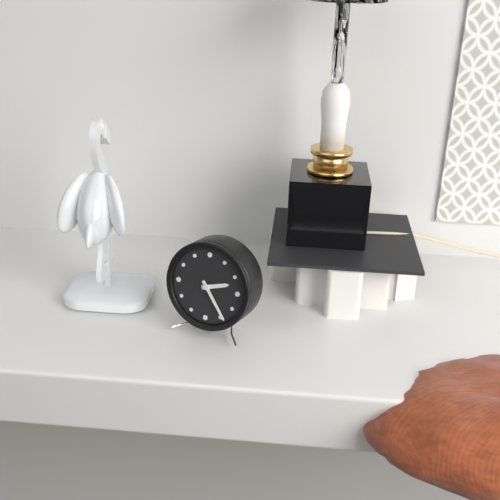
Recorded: h=2 m=24
